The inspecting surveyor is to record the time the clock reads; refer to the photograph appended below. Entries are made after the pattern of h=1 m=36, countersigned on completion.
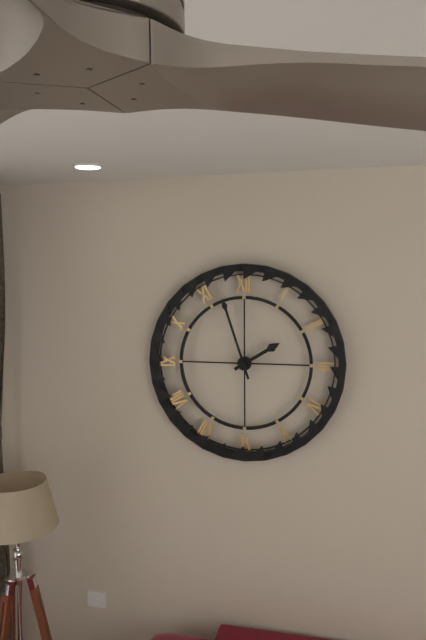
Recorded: h=1 m=57
